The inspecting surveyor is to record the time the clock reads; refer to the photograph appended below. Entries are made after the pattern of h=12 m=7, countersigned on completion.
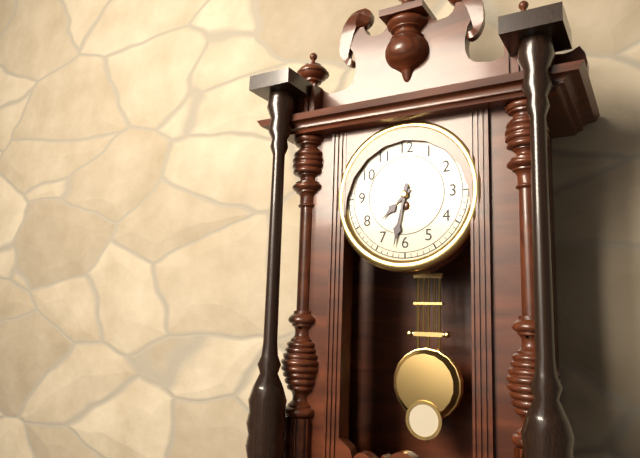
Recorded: h=7 m=32
